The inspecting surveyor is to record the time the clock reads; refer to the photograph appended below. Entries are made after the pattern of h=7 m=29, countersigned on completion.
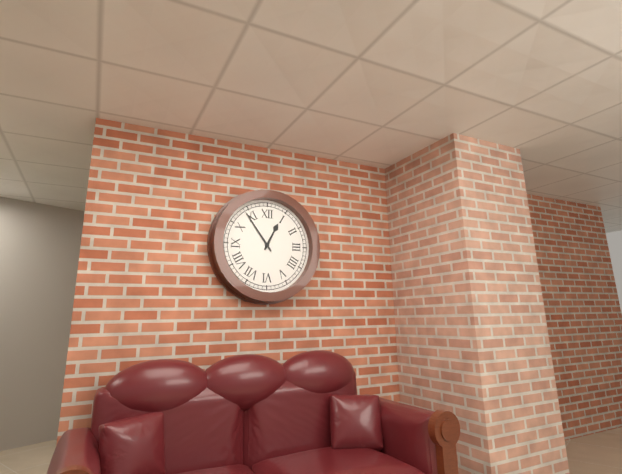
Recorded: h=12 m=54
